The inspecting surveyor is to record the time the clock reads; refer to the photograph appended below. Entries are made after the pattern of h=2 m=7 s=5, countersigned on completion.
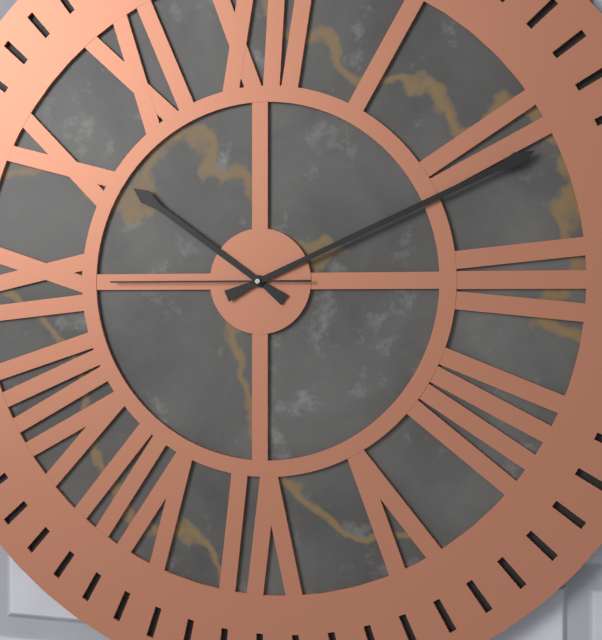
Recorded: h=10 m=11 s=45
